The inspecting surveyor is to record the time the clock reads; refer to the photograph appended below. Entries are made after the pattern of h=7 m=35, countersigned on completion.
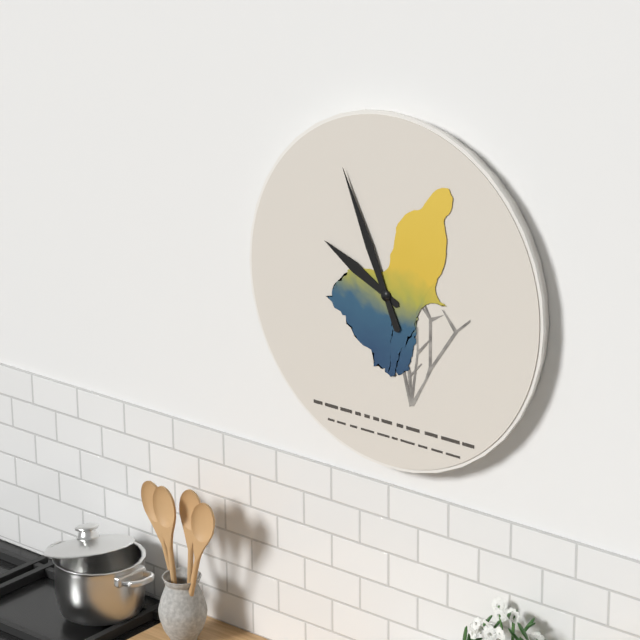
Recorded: h=9 m=56
